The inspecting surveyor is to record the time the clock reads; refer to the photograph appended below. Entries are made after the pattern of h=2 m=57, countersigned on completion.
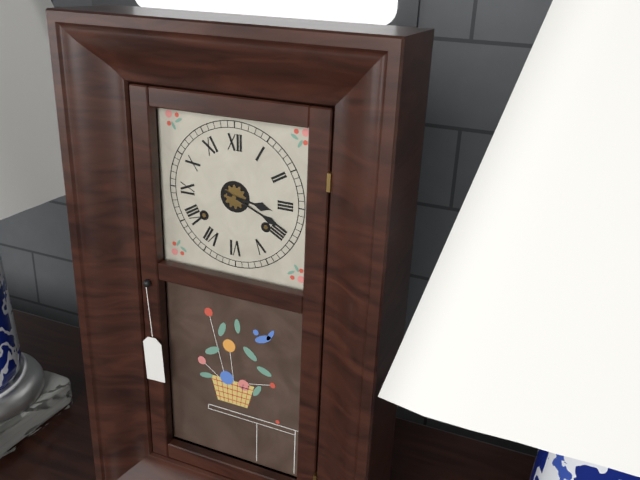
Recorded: h=3 m=19
